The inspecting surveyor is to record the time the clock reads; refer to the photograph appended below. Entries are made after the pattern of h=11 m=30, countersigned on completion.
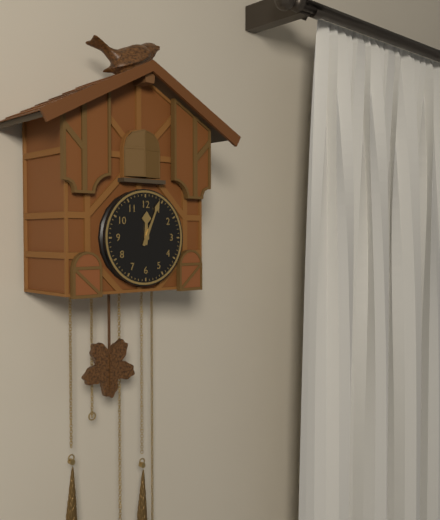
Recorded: h=12 m=4
